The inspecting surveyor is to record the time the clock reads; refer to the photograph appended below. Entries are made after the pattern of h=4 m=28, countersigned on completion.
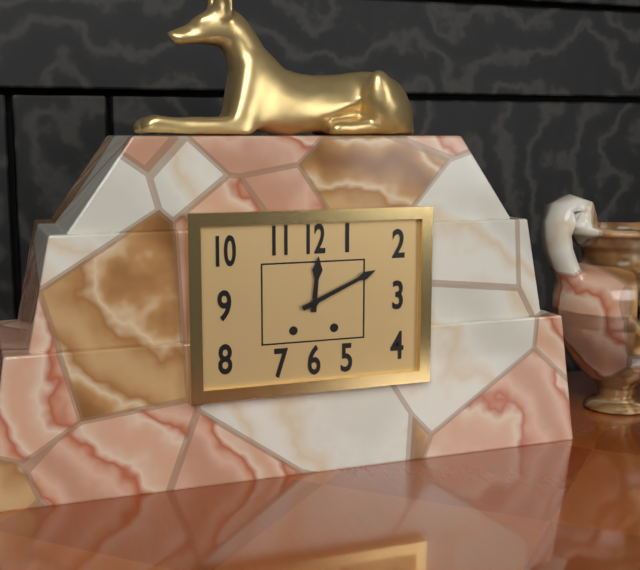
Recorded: h=12 m=11
